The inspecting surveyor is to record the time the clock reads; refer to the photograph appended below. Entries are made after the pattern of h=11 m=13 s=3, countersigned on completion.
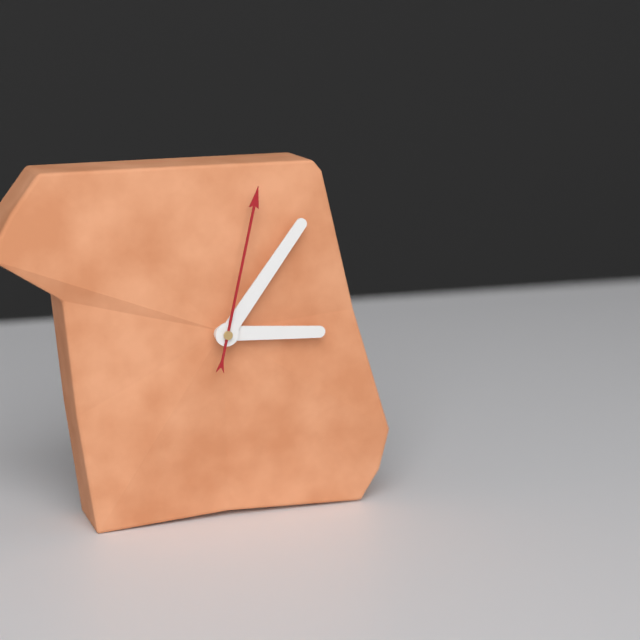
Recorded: h=3 m=6 s=2
